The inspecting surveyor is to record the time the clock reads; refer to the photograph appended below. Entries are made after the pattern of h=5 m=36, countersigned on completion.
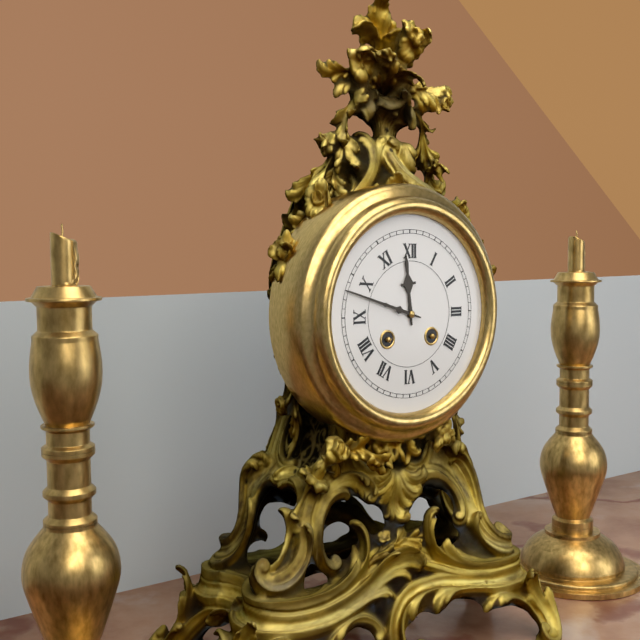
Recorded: h=11 m=48
